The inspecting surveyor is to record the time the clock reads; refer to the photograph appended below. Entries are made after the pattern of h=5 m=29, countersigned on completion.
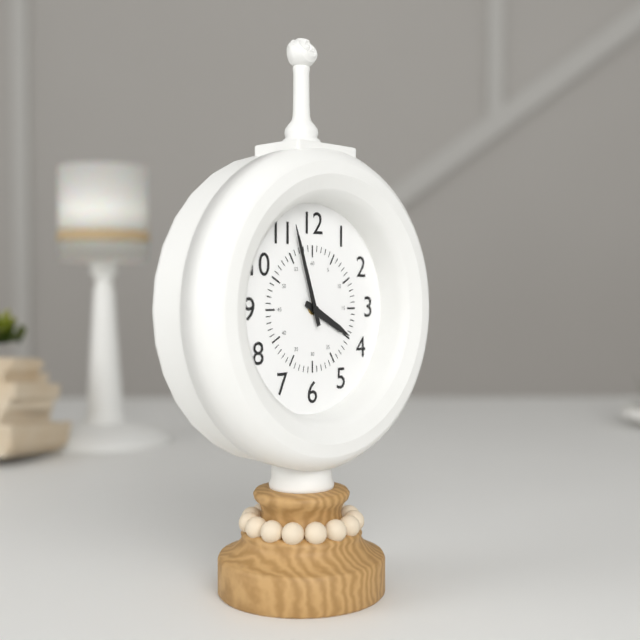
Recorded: h=3 m=57
